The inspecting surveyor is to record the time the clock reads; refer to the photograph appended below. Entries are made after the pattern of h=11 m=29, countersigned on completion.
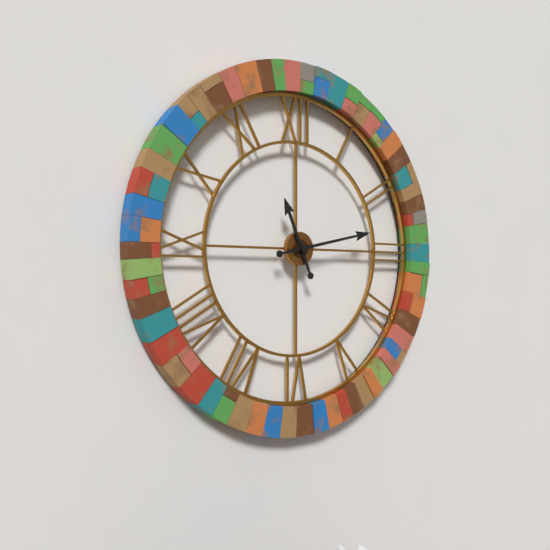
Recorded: h=11 m=13
